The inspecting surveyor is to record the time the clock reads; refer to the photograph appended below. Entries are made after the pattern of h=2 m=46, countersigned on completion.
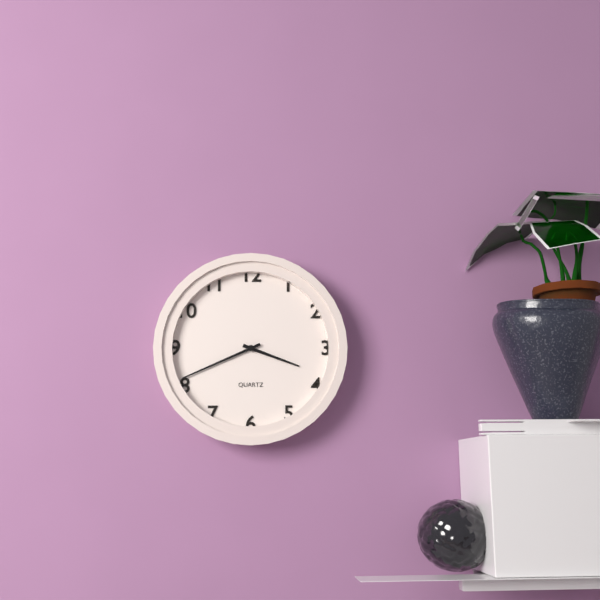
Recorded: h=3 m=41
